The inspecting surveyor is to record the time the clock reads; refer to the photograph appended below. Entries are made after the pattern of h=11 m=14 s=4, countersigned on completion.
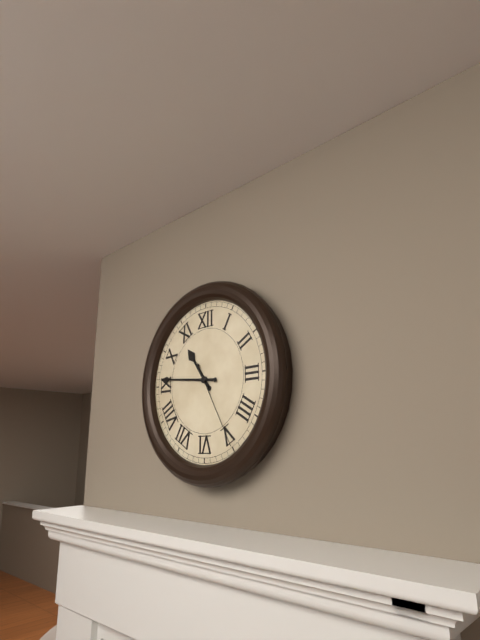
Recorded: h=10 m=46 s=25
